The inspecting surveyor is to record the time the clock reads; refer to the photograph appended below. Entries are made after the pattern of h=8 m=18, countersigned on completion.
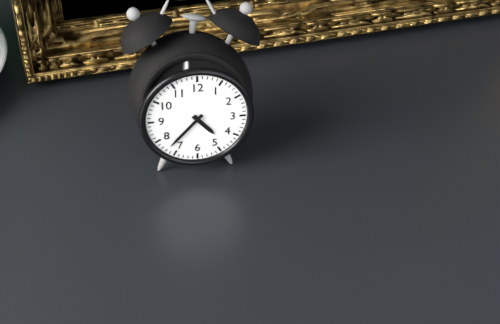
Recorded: h=4 m=37
